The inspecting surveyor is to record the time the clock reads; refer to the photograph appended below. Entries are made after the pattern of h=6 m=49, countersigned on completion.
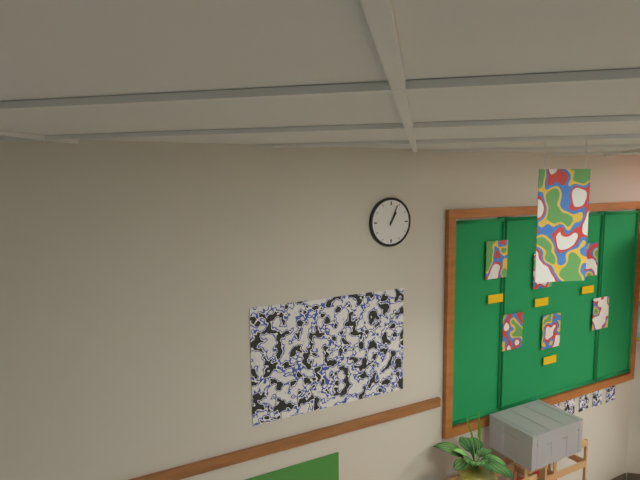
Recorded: h=1 m=4
